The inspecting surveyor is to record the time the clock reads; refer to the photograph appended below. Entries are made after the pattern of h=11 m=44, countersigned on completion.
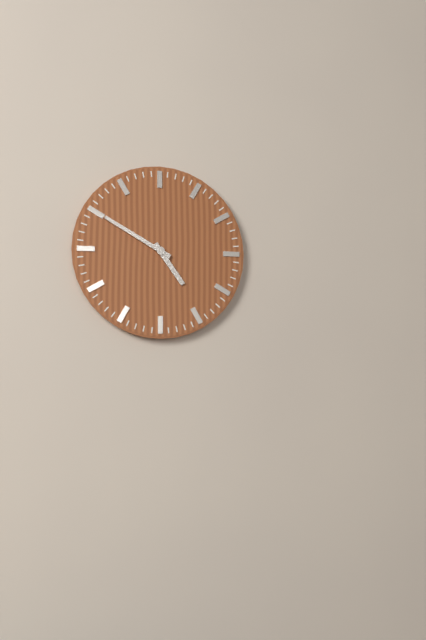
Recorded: h=4 m=50
